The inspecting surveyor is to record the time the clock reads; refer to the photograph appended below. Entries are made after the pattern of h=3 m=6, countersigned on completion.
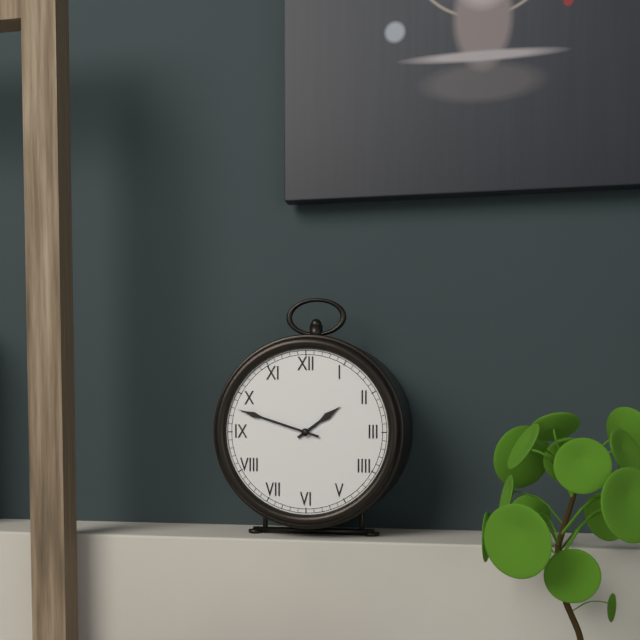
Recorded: h=1 m=48
